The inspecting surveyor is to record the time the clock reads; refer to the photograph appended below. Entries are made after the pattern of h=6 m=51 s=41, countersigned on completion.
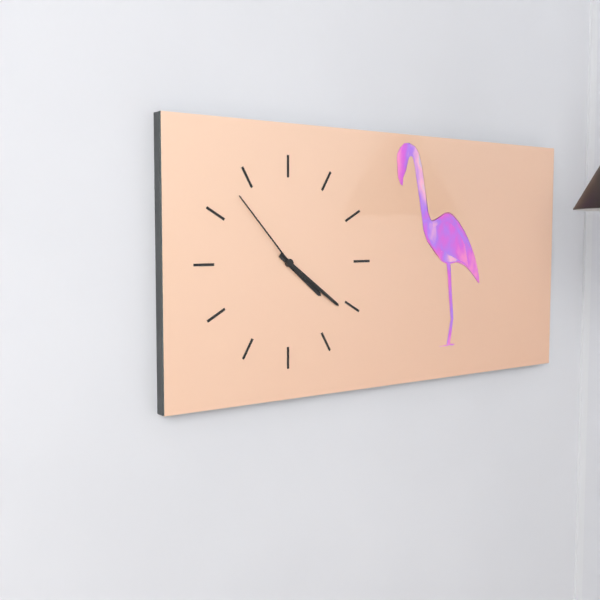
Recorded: h=4 m=21 s=53
